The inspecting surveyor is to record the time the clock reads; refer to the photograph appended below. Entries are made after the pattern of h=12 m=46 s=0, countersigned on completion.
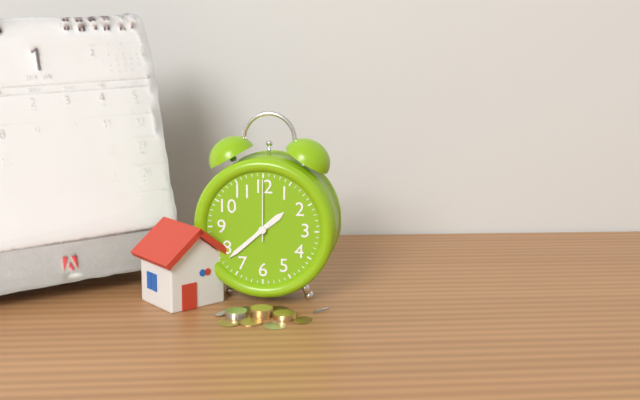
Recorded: h=1 m=38 s=0
